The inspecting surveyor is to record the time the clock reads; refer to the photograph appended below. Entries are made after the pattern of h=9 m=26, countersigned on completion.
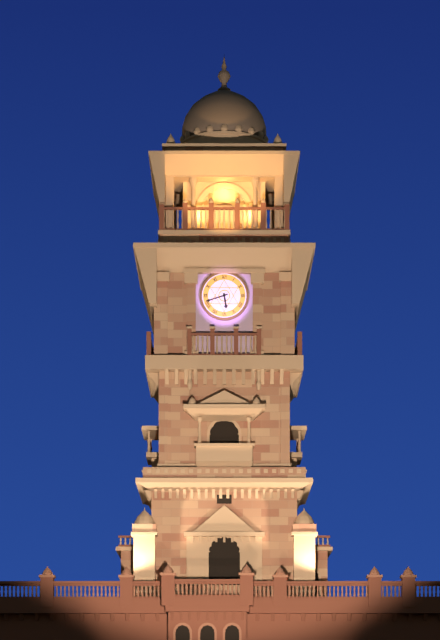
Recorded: h=5 m=42
